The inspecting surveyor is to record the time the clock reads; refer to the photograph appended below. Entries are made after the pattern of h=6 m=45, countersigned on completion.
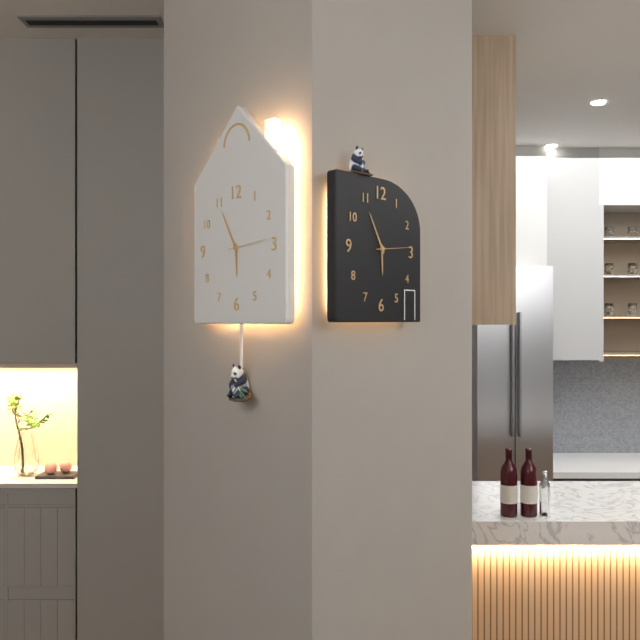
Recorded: h=5 m=55
